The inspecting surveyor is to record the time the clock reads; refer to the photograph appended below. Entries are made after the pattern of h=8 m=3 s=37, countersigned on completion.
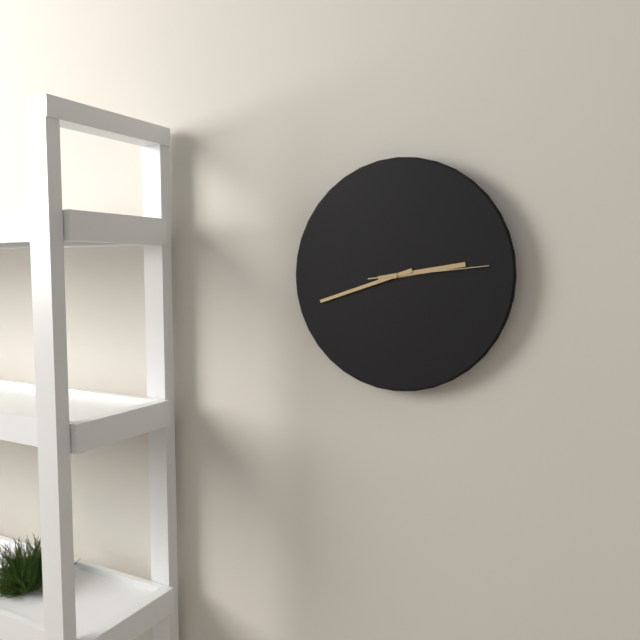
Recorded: h=2 m=42 s=14
